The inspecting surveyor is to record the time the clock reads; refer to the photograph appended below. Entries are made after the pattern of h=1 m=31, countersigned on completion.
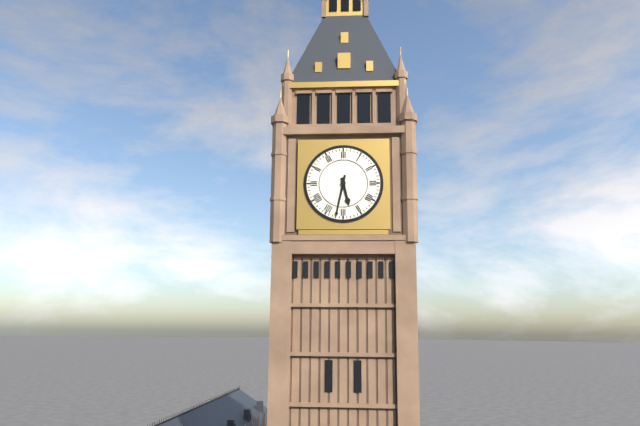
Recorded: h=5 m=32
